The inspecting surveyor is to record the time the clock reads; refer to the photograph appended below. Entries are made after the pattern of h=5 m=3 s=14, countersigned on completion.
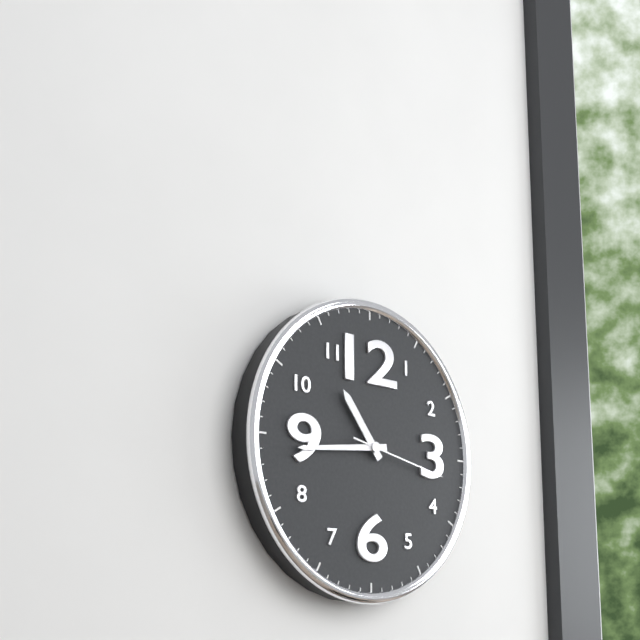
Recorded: h=10 m=44 s=17
